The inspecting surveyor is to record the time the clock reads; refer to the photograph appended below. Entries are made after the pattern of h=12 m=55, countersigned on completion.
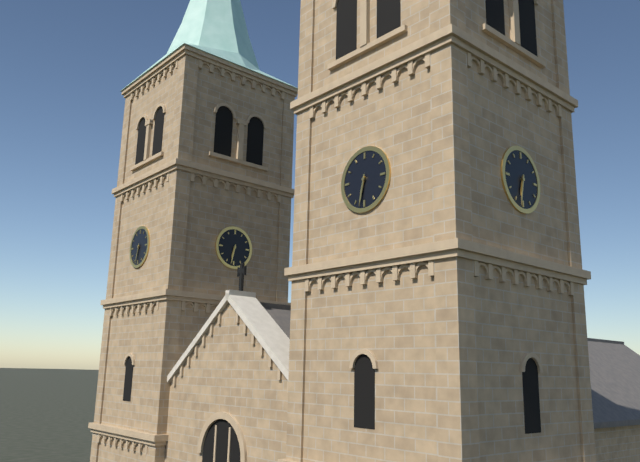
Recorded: h=6 m=32
